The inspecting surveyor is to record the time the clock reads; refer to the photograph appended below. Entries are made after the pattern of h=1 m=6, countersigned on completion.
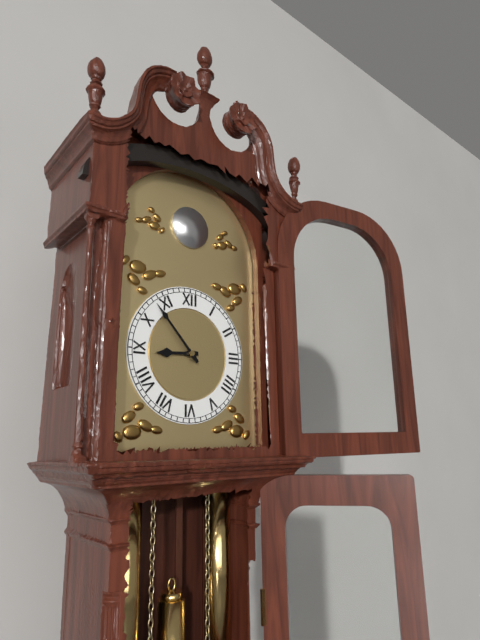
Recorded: h=8 m=53
